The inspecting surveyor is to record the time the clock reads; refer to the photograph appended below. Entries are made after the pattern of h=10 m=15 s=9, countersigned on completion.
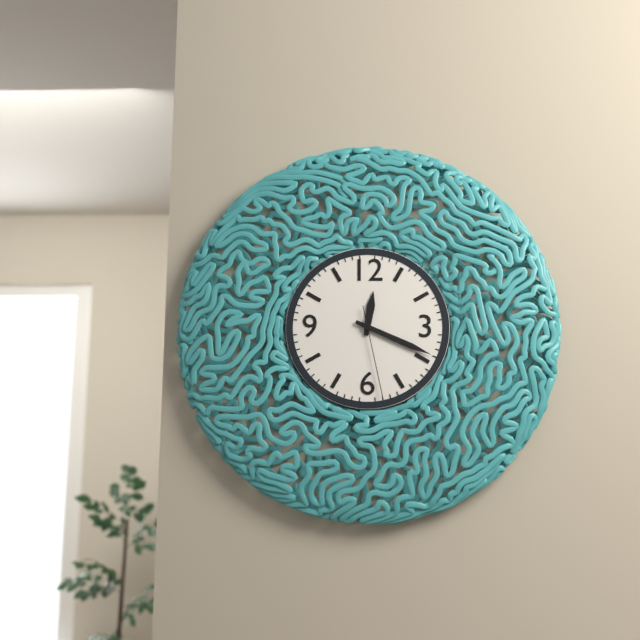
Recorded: h=12 m=19 s=28
